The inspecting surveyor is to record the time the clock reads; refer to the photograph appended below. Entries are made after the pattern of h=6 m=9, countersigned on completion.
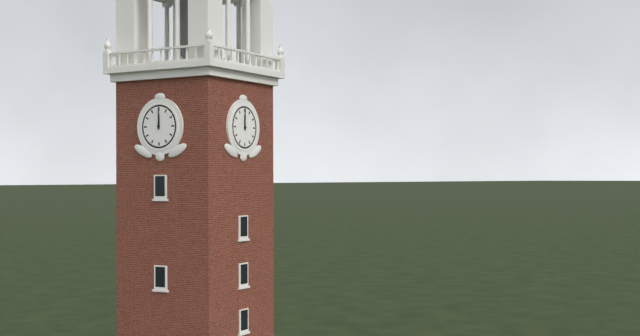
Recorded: h=12 m=0
